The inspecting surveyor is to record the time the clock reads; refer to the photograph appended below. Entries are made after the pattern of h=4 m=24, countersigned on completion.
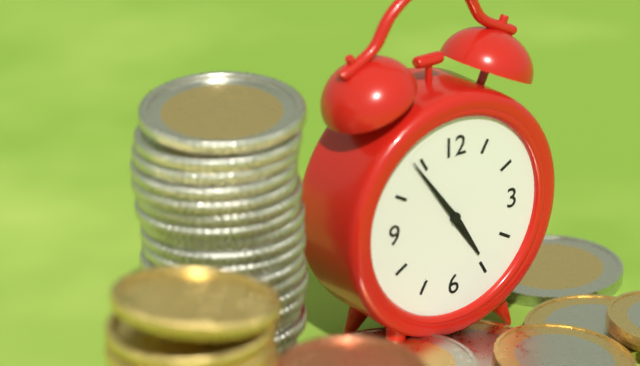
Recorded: h=4 m=54
